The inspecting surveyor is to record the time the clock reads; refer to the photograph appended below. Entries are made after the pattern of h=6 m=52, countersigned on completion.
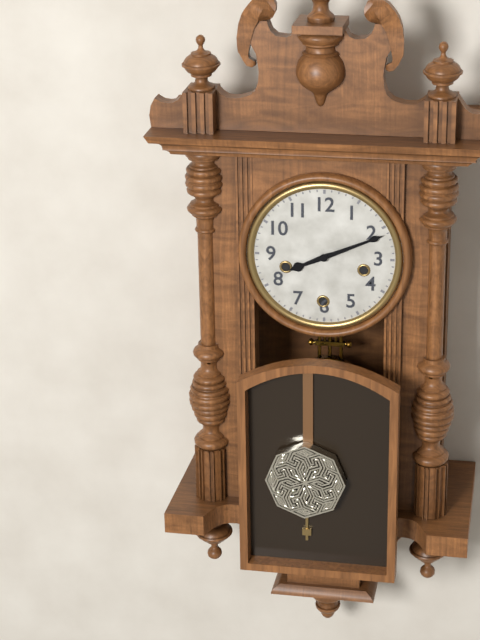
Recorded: h=8 m=11
